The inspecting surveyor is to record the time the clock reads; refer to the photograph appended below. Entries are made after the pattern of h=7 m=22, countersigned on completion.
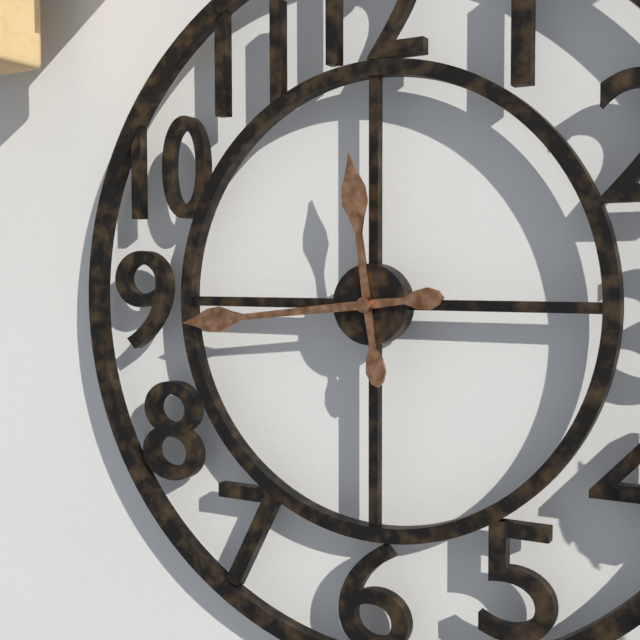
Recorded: h=11 m=44
